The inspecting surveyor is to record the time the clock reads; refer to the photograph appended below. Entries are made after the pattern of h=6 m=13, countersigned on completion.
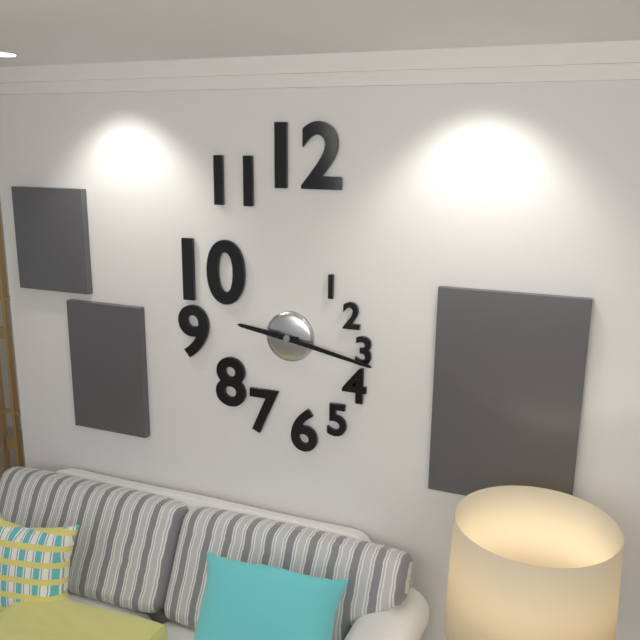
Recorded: h=9 m=17
